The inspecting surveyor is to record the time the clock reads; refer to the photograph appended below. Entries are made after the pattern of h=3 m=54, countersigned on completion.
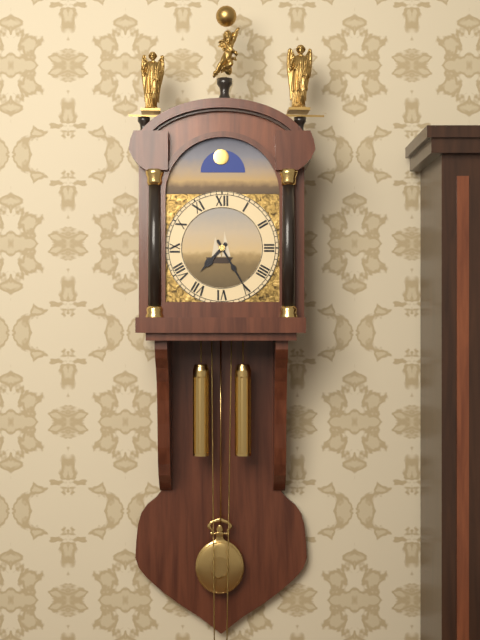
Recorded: h=7 m=25
